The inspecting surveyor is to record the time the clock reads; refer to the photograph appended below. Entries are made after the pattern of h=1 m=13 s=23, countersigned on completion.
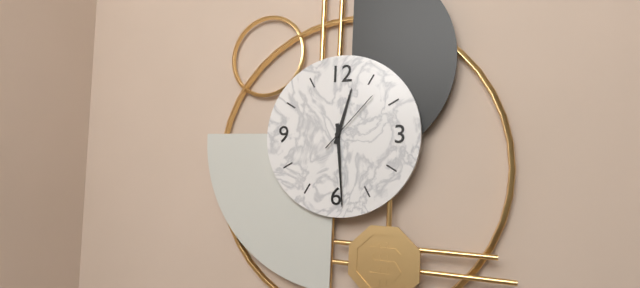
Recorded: h=12 m=29 s=7
